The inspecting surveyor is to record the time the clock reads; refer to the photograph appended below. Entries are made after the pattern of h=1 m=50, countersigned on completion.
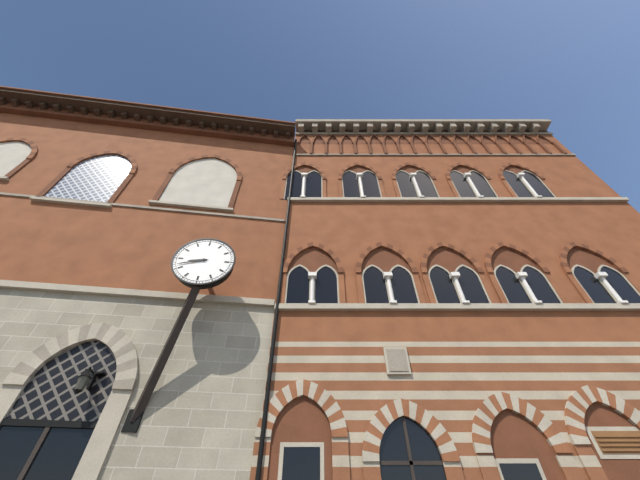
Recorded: h=8 m=42
